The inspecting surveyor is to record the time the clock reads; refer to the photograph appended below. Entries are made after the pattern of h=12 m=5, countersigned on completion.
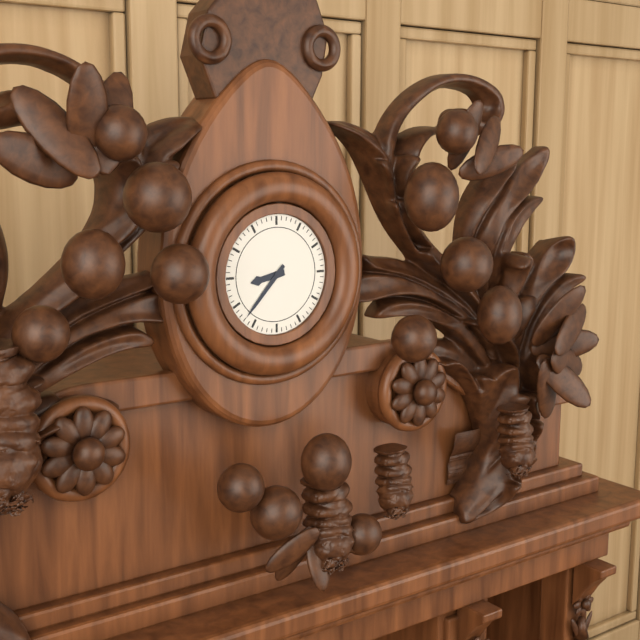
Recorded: h=8 m=37
